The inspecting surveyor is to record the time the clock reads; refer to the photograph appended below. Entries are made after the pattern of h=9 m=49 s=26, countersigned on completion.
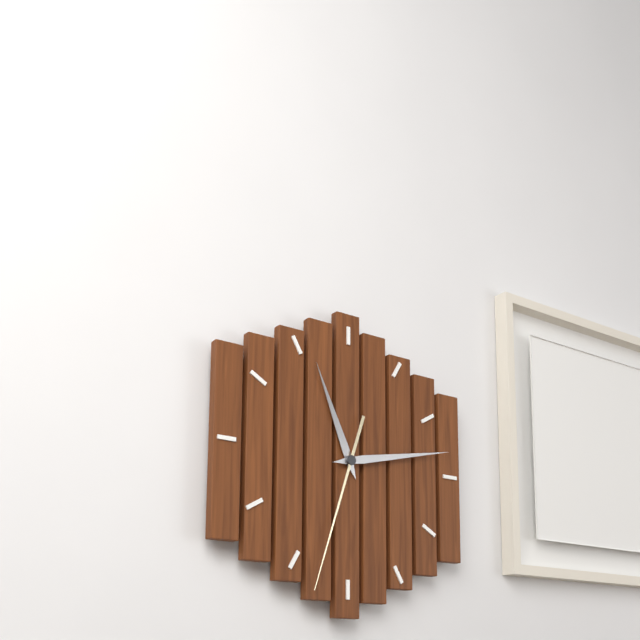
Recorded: h=11 m=13 s=33
